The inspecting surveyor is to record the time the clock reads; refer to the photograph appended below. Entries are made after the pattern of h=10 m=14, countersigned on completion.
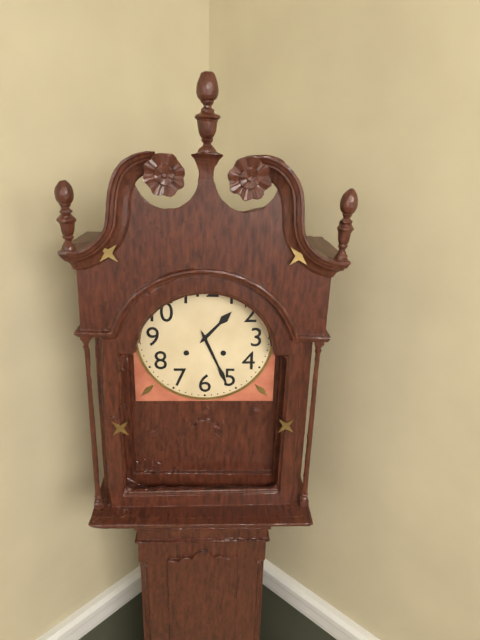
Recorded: h=1 m=26
